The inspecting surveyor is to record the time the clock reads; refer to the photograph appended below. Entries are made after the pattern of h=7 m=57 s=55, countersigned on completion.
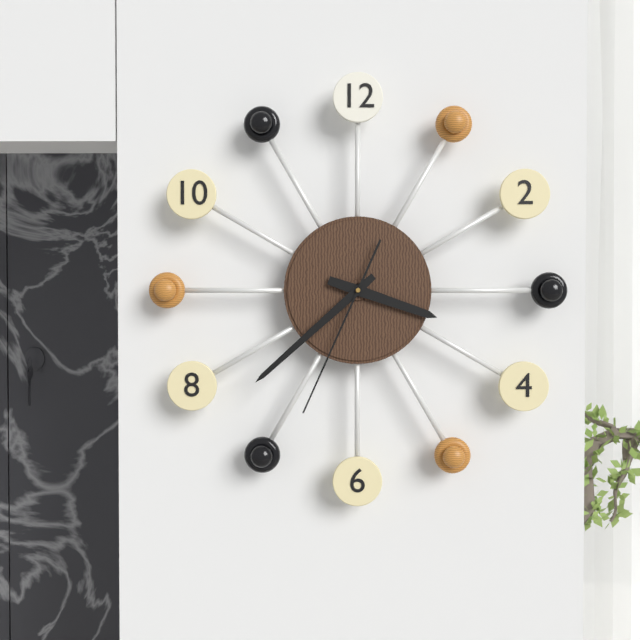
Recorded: h=3 m=38 s=34
